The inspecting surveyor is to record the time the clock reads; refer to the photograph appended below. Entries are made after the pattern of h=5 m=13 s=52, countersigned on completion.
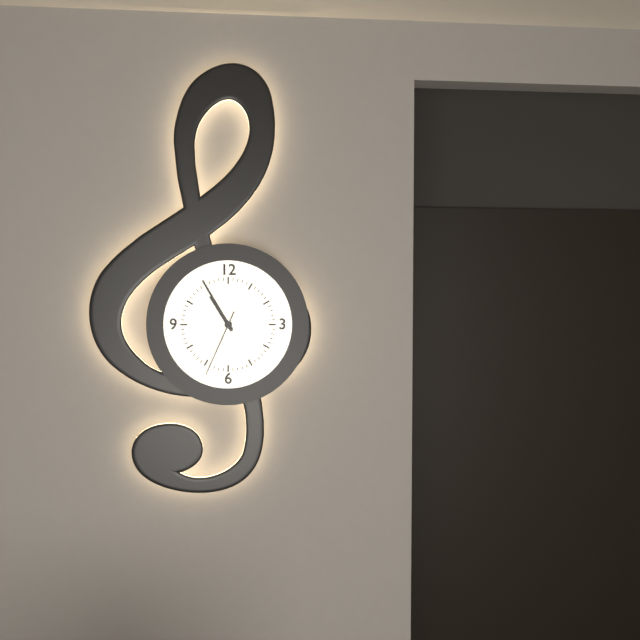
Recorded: h=10 m=55 s=34
